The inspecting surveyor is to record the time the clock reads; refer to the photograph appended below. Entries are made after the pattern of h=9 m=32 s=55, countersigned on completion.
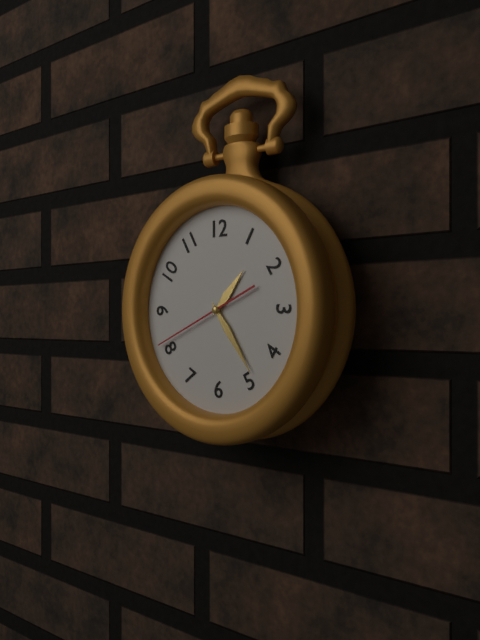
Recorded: h=1 m=24 s=41
